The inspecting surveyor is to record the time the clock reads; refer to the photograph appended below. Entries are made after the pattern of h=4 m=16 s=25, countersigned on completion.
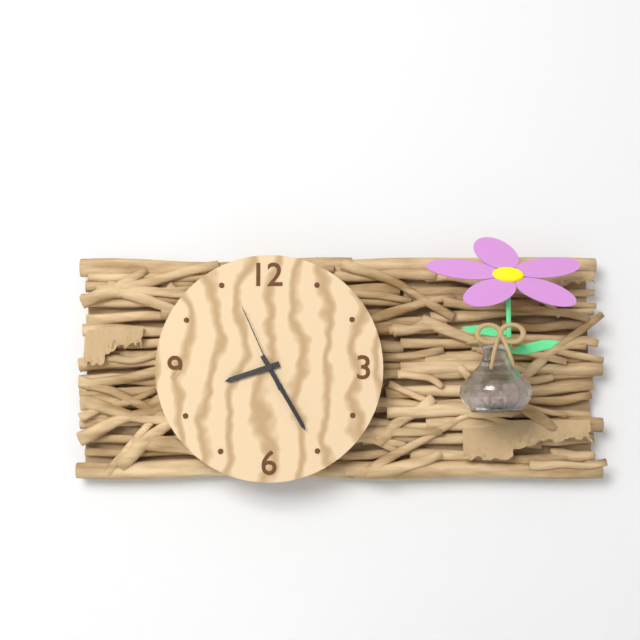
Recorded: h=8 m=25 s=56
